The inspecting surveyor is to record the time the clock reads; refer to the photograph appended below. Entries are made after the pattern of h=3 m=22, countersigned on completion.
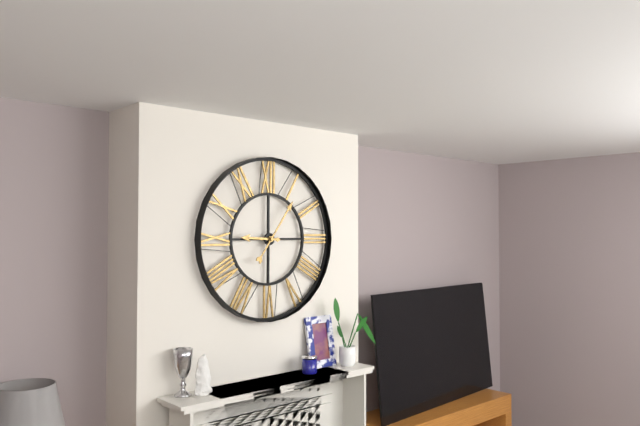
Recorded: h=9 m=6
